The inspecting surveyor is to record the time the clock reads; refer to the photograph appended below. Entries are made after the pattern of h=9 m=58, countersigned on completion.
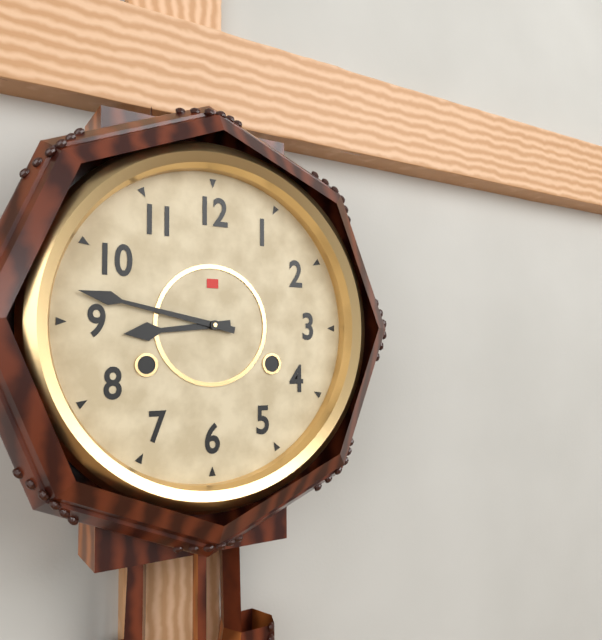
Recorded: h=8 m=47
